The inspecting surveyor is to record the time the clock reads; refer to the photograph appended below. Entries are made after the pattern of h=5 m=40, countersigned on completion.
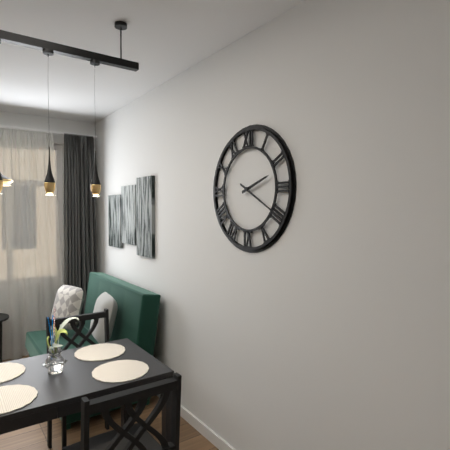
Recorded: h=2 m=20
